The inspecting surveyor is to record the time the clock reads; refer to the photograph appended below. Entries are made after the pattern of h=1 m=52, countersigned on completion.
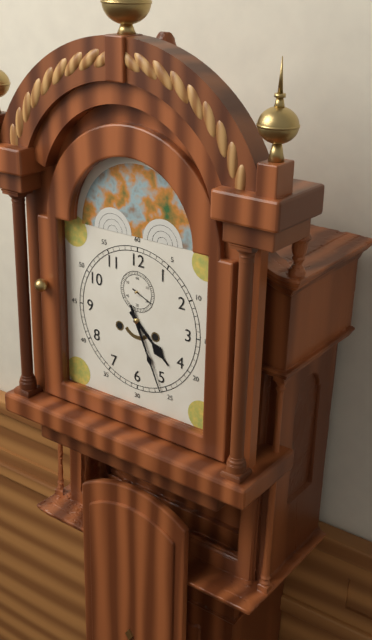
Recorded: h=4 m=26
